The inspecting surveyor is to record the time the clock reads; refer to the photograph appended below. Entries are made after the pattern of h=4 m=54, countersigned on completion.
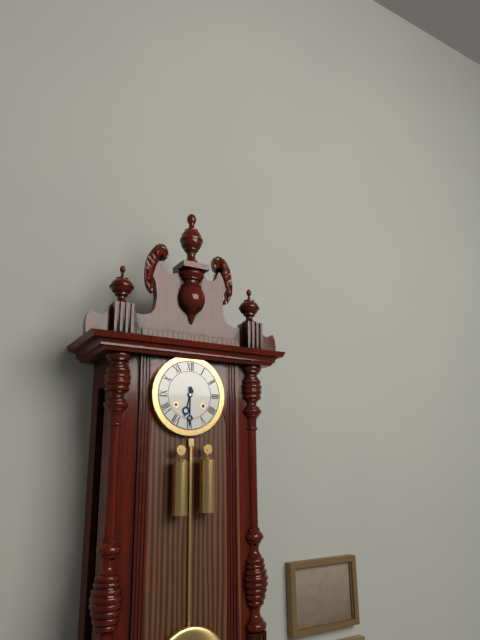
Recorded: h=6 m=30
